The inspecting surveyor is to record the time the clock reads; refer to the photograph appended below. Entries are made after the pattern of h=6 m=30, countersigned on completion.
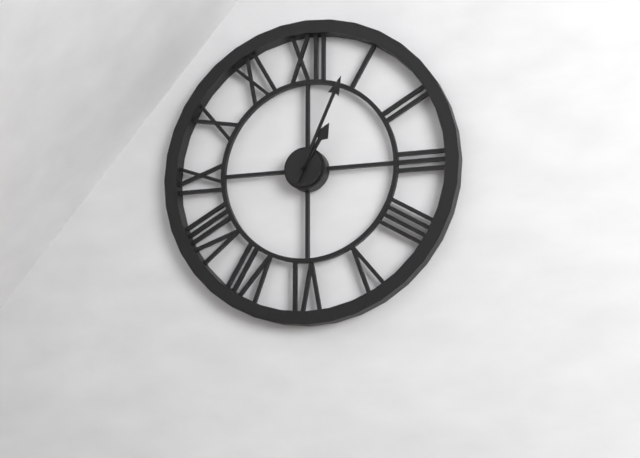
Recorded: h=1 m=4
